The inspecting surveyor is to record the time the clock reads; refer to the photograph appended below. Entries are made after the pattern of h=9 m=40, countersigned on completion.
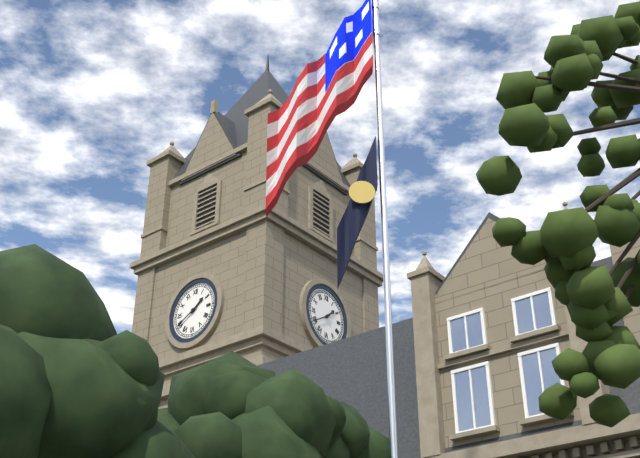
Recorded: h=1 m=40
